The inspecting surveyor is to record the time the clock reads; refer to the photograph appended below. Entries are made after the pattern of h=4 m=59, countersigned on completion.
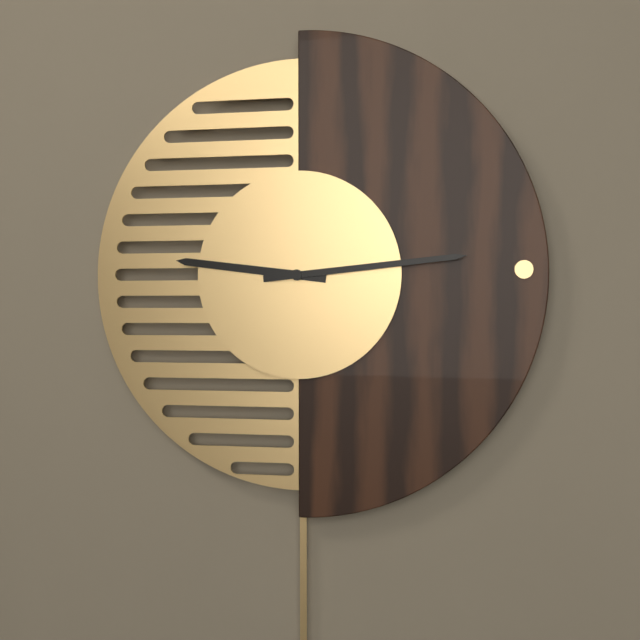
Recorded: h=9 m=14
